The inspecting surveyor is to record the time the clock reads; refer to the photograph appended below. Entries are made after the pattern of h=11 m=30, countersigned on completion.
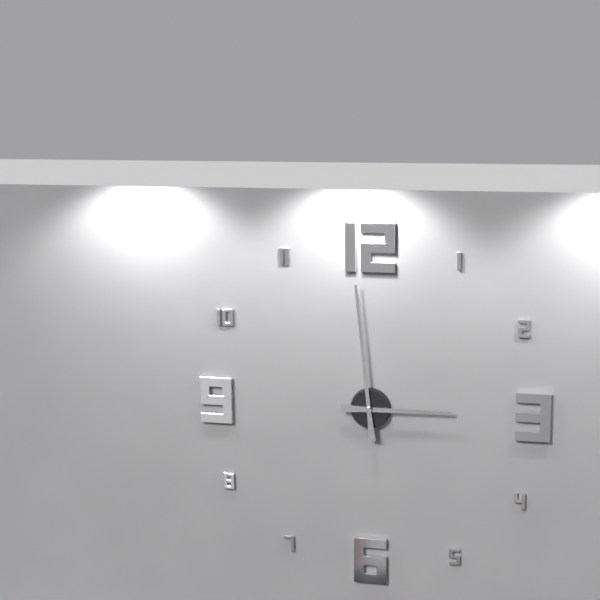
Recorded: h=2 m=59
